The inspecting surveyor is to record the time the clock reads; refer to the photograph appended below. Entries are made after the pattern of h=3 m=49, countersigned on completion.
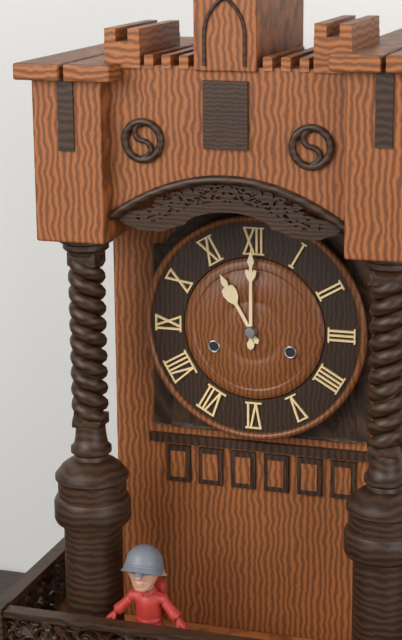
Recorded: h=11 m=0
